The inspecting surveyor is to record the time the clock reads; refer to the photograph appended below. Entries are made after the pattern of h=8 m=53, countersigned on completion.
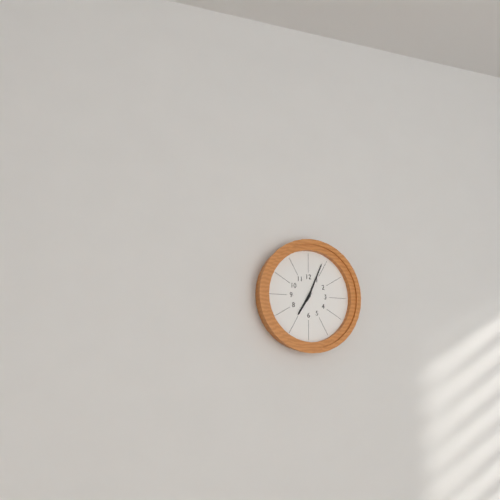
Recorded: h=7 m=4
